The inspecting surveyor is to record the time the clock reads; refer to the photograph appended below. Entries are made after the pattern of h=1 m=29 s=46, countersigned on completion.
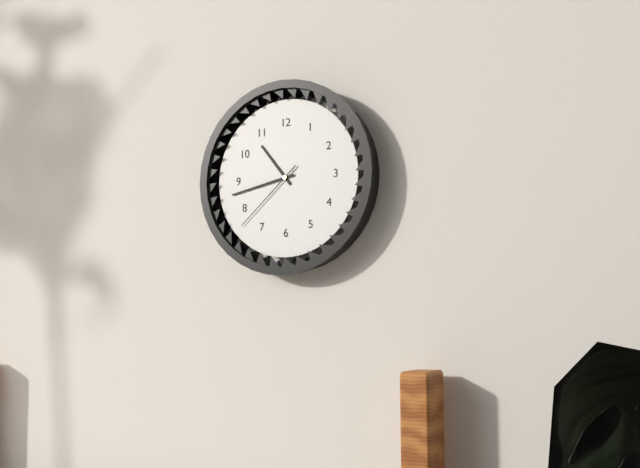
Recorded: h=10 m=43 s=38
